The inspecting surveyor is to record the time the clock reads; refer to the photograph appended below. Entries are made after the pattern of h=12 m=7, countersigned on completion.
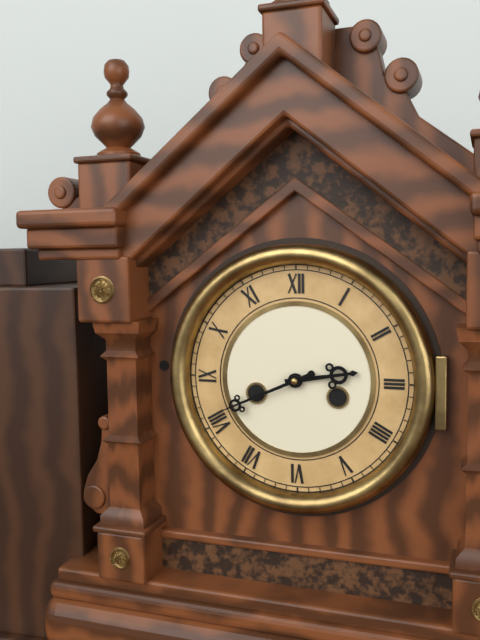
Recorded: h=2 m=41
